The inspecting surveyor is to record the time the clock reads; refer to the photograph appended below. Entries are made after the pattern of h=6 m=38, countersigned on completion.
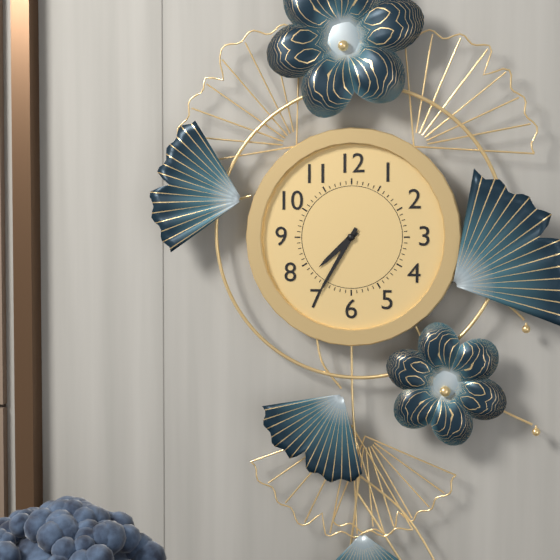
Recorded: h=7 m=35
